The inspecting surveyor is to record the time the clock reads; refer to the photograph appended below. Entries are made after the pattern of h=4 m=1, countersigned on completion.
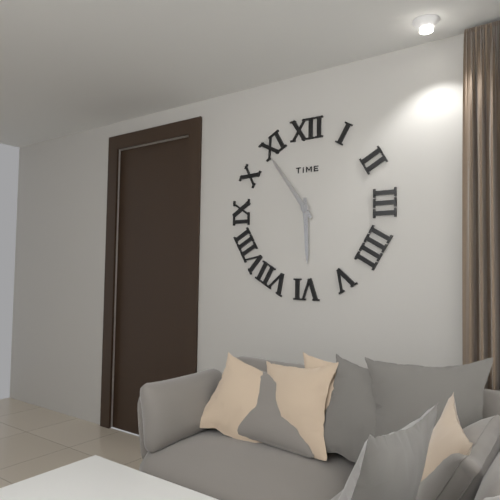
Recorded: h=5 m=54
